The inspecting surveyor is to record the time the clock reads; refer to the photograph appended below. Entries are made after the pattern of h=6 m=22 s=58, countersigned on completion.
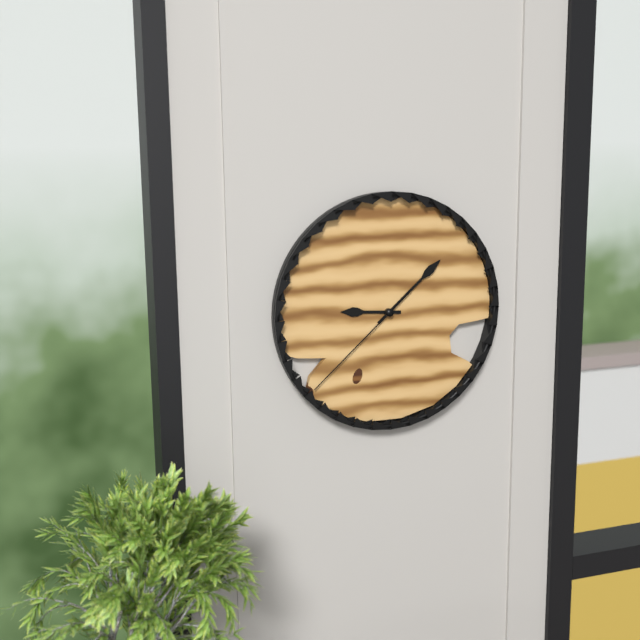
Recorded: h=9 m=8 s=38
